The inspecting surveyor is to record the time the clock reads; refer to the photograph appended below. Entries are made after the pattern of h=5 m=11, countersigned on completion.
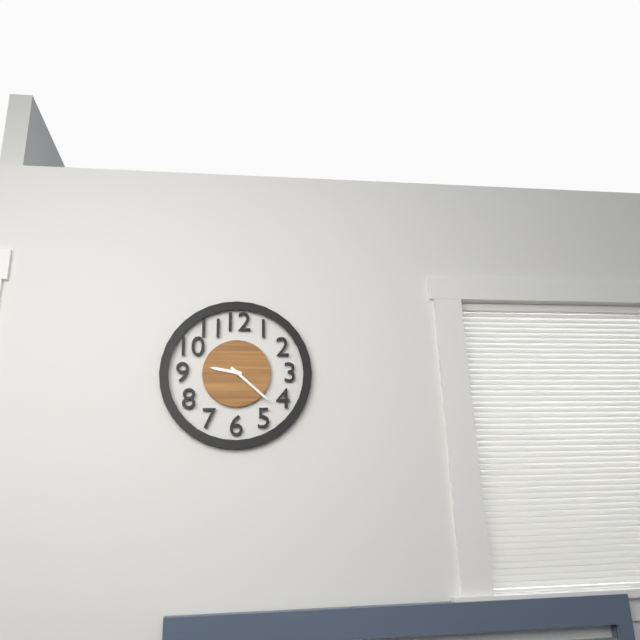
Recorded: h=9 m=22
